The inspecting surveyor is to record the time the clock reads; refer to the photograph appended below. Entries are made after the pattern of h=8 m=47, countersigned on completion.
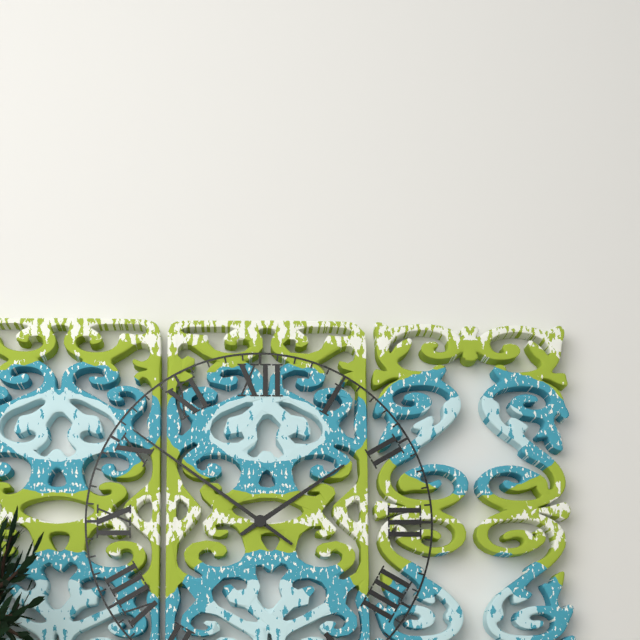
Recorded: h=1 m=51
